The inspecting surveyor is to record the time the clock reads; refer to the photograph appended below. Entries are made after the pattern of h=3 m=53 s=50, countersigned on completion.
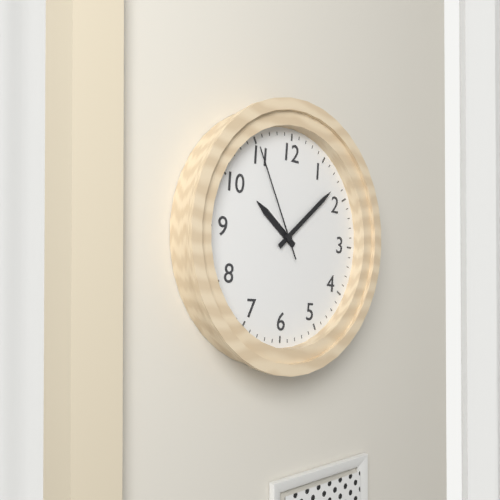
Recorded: h=10 m=8 s=55
